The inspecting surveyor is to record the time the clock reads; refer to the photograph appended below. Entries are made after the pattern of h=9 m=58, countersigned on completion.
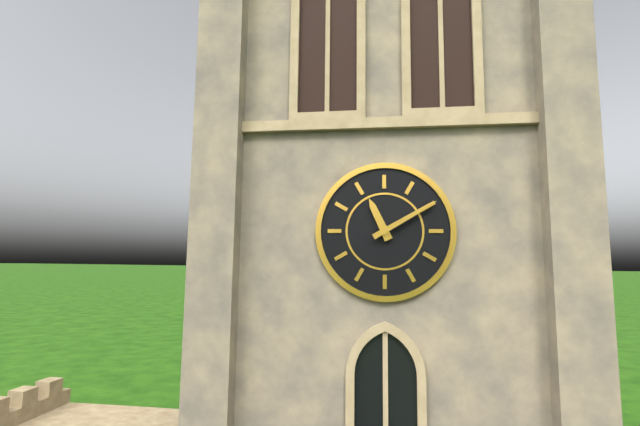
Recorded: h=11 m=10
